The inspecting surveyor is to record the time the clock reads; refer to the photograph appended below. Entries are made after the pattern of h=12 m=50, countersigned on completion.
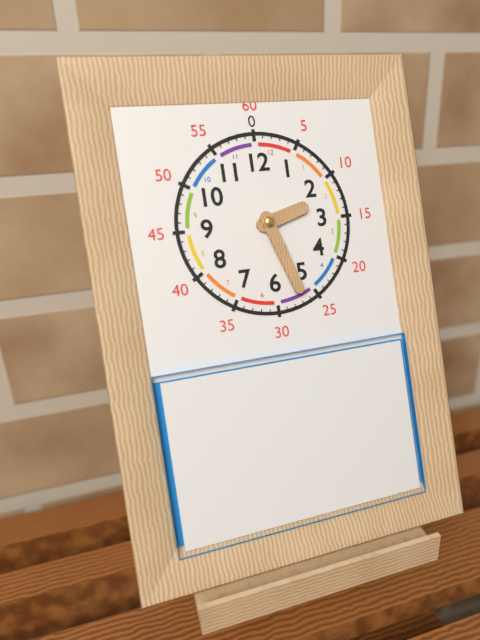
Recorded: h=2 m=27
